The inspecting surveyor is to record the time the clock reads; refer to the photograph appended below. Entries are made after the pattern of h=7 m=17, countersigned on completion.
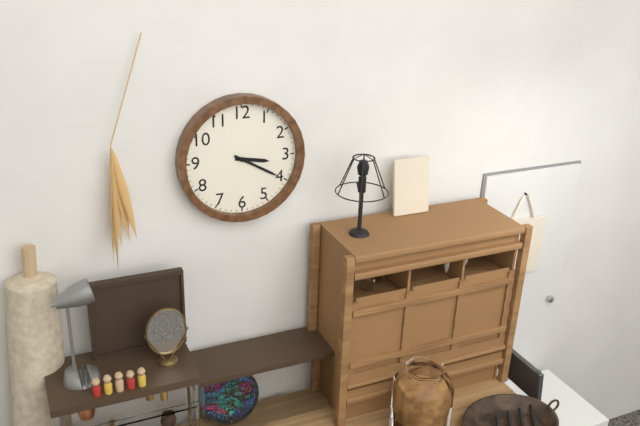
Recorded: h=3 m=20
